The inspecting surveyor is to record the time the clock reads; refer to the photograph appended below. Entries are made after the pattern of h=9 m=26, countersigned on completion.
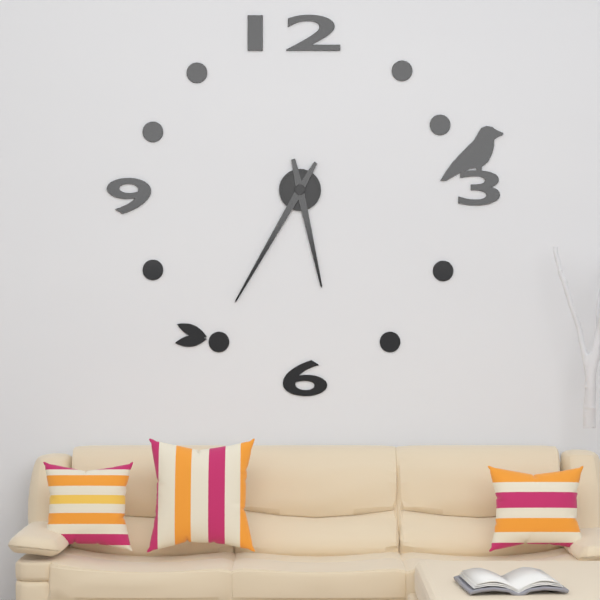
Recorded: h=5 m=35
